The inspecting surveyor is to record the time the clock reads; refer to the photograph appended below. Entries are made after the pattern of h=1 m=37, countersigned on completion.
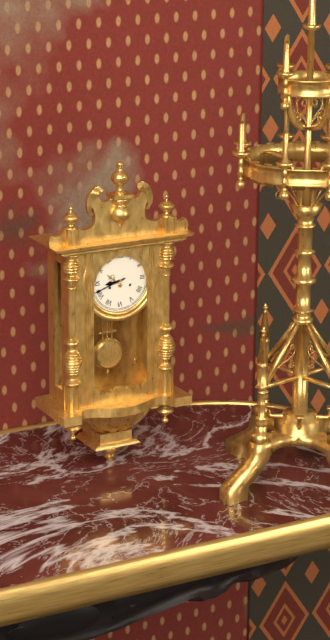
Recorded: h=8 m=42
